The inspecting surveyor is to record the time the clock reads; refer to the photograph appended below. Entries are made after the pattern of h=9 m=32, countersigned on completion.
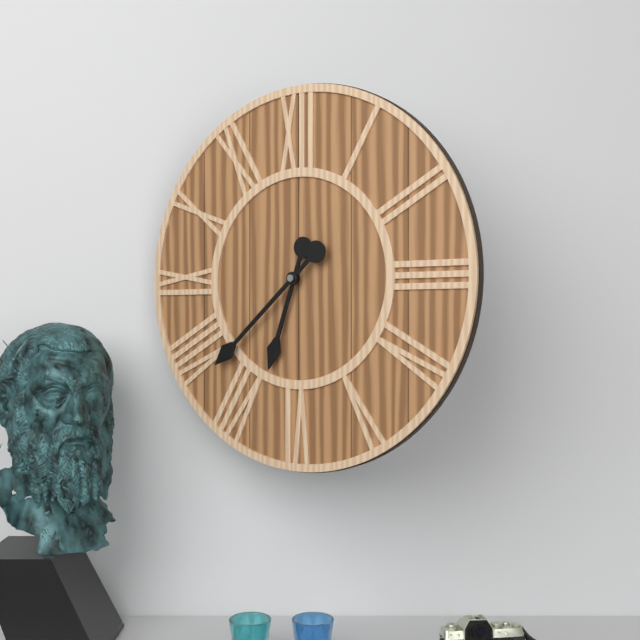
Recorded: h=6 m=38
